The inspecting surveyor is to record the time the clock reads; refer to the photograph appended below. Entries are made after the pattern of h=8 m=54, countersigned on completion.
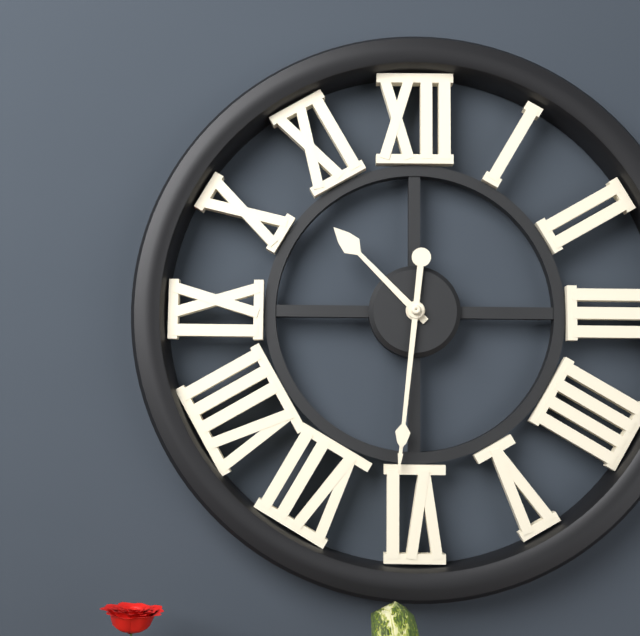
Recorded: h=10 m=31
